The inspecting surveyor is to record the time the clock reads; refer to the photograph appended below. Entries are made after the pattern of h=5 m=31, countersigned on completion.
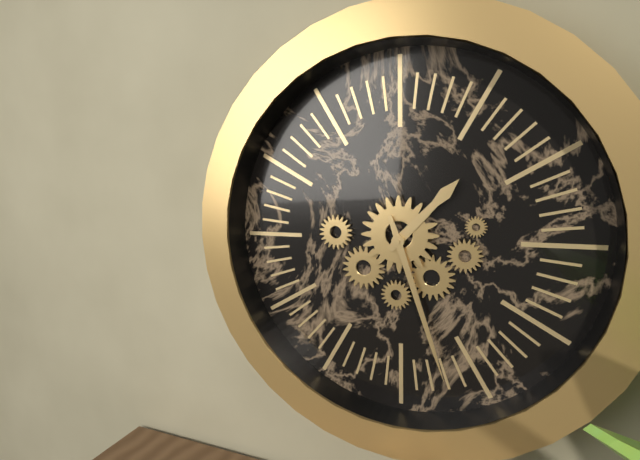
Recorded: h=1 m=27
